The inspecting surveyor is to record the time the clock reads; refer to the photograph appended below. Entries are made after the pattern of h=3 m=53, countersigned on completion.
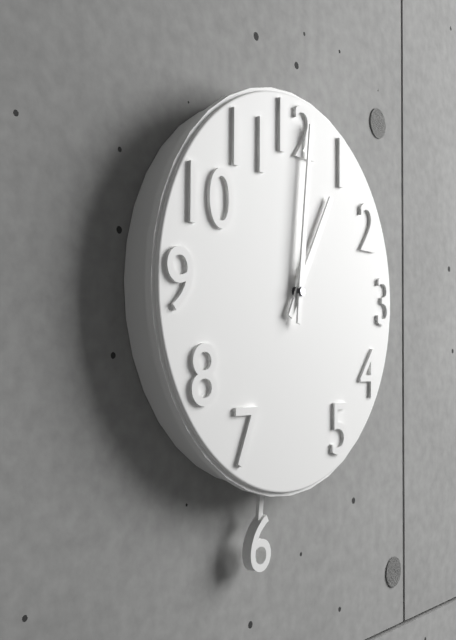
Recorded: h=1 m=1
